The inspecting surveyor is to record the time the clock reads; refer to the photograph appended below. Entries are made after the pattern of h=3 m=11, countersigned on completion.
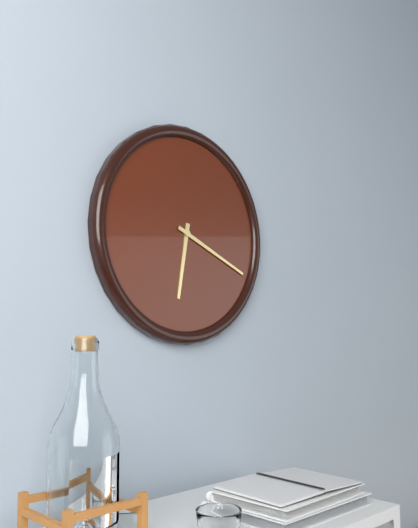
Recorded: h=6 m=19
